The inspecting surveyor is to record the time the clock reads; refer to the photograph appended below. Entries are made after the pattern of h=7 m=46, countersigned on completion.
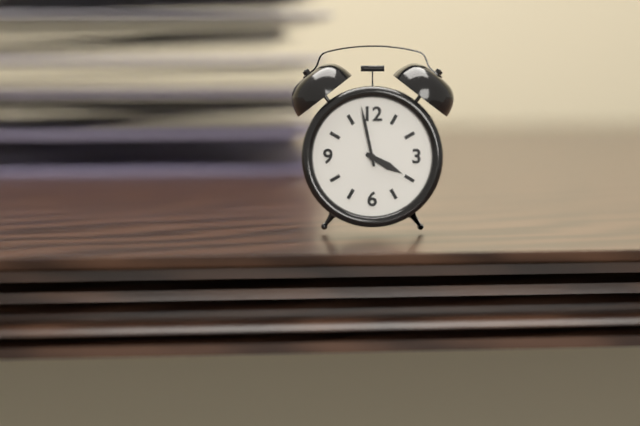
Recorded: h=3 m=58
